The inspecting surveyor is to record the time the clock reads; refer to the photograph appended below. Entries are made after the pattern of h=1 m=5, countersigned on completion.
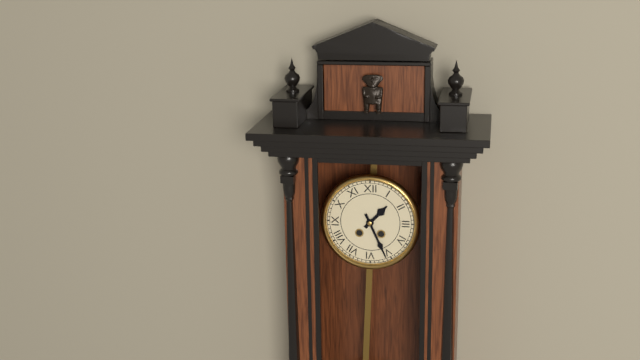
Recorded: h=1 m=26
